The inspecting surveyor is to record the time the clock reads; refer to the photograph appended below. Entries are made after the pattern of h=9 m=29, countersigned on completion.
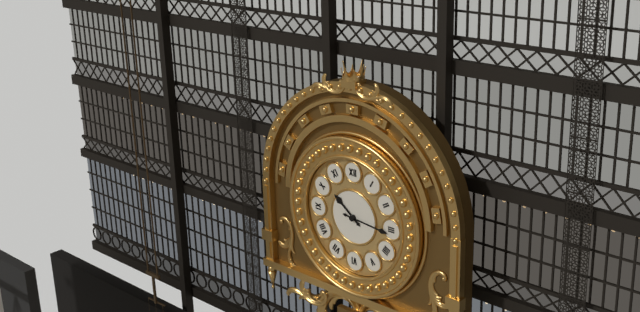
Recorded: h=10 m=16
